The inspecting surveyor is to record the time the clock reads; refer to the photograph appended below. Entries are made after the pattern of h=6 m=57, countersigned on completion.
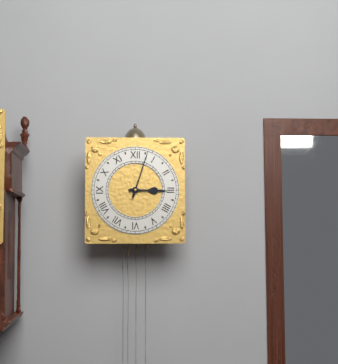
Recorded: h=3 m=3
